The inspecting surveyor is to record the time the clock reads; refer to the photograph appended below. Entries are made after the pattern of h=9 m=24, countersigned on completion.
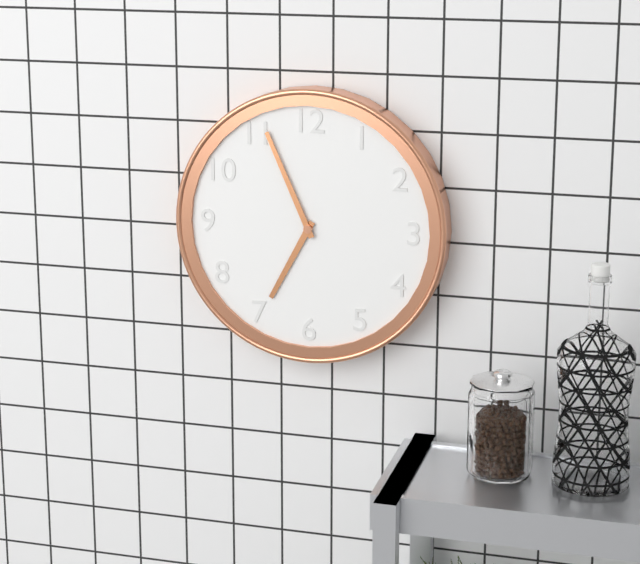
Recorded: h=6 m=56
